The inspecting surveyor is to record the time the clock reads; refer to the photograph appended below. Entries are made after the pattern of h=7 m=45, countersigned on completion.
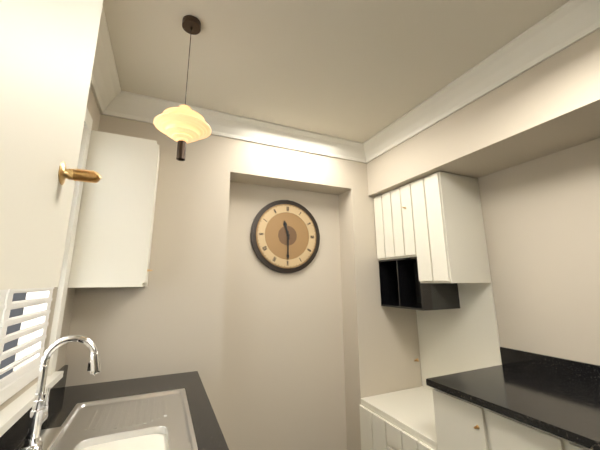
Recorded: h=11 m=30
